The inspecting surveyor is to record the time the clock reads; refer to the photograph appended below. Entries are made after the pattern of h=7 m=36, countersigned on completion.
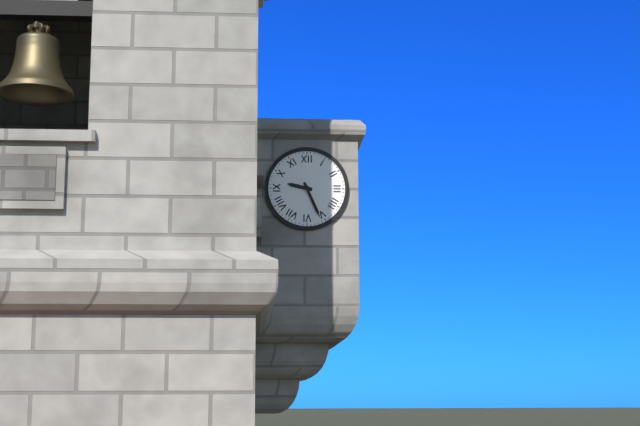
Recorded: h=9 m=26
